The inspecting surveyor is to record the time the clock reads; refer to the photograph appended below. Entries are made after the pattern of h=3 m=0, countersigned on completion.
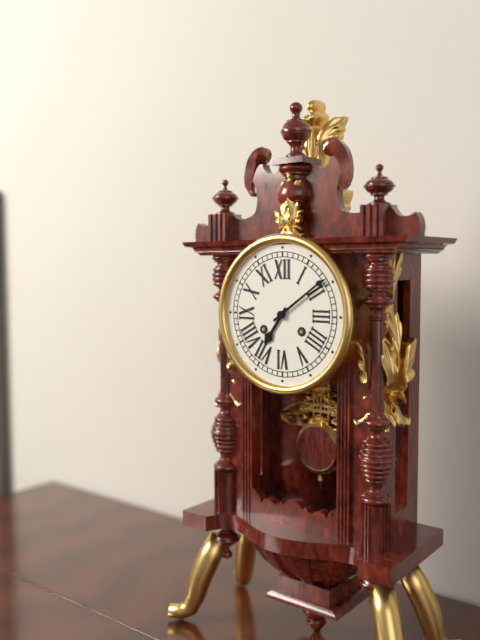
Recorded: h=7 m=9
